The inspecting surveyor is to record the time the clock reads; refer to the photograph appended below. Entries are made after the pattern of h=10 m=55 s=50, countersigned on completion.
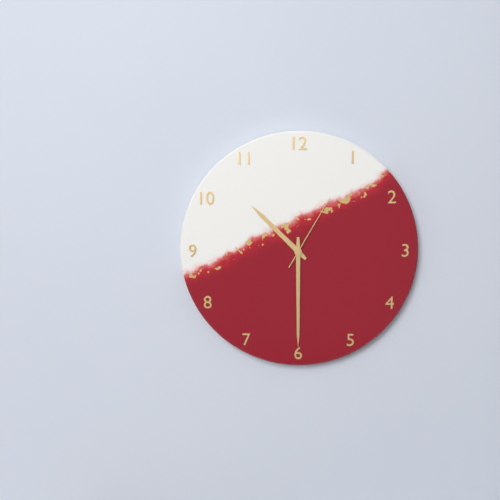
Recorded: h=10 m=30 s=5
